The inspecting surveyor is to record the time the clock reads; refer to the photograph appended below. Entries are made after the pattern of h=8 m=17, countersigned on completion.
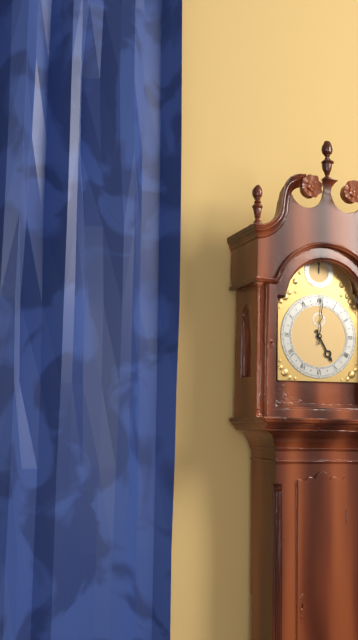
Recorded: h=5 m=1
